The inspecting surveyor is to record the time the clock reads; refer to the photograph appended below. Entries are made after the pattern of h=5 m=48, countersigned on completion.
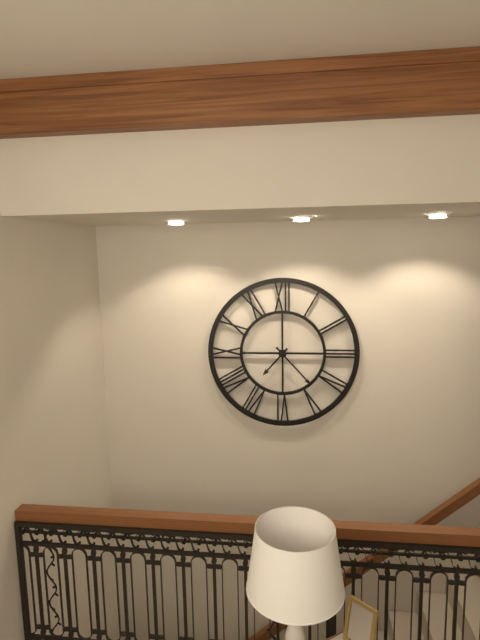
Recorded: h=7 m=23
